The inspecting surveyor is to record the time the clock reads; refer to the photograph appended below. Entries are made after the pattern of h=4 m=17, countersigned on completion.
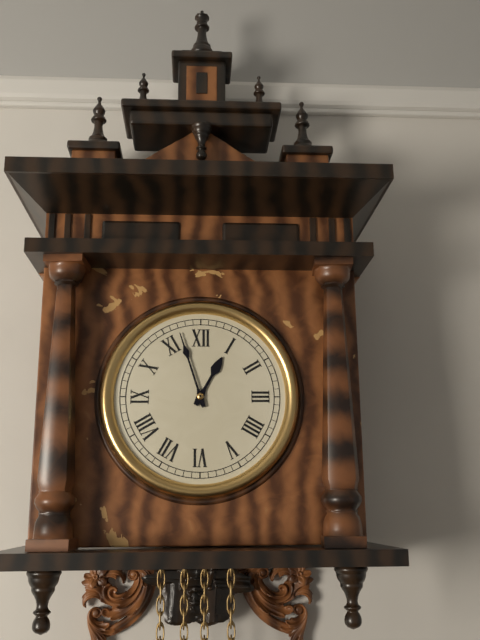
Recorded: h=12 m=57
